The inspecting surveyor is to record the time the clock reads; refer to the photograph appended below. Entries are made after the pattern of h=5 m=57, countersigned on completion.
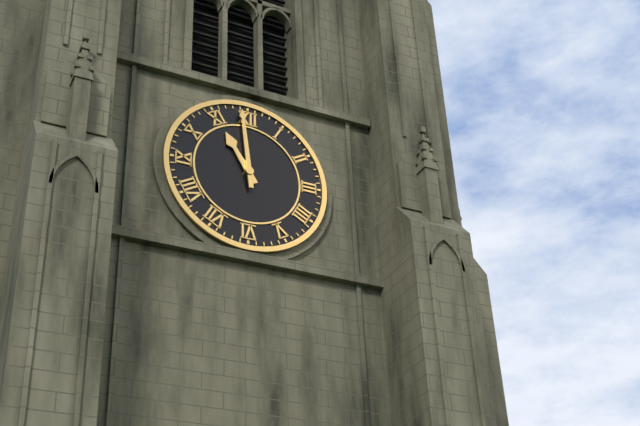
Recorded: h=10 m=59
